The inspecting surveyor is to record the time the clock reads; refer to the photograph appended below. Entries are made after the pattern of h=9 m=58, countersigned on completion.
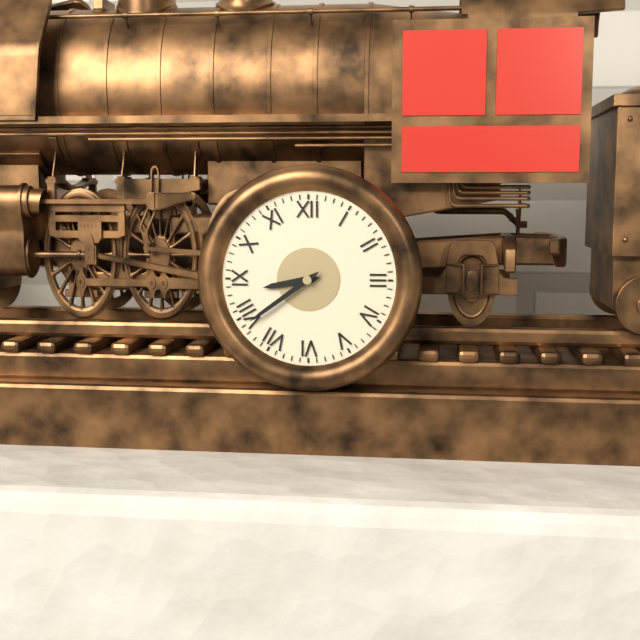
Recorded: h=8 m=39
